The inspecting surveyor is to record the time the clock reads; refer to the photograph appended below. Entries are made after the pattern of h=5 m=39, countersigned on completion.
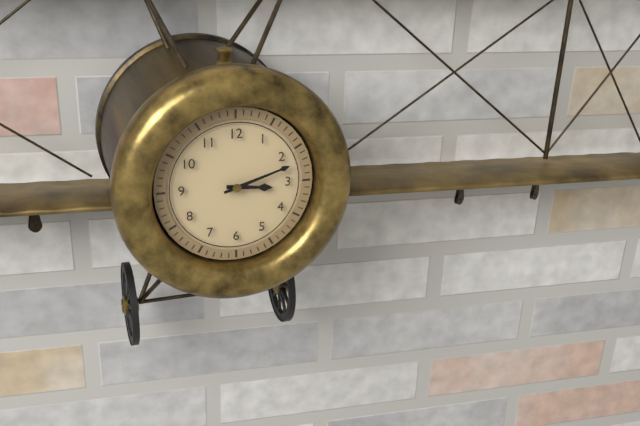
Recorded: h=3 m=12
